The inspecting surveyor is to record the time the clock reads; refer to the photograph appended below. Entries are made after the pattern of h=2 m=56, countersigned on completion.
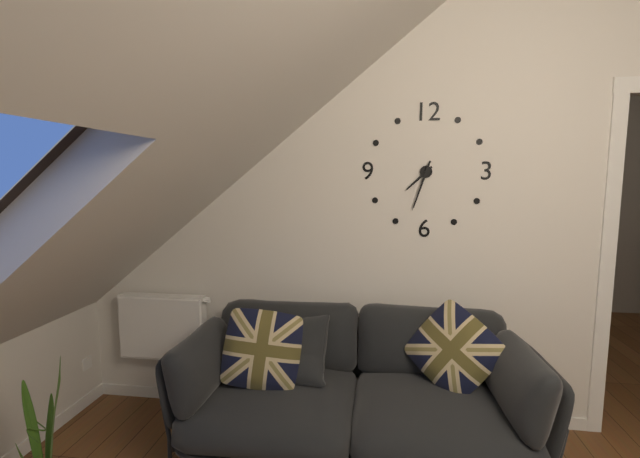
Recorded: h=7 m=33
